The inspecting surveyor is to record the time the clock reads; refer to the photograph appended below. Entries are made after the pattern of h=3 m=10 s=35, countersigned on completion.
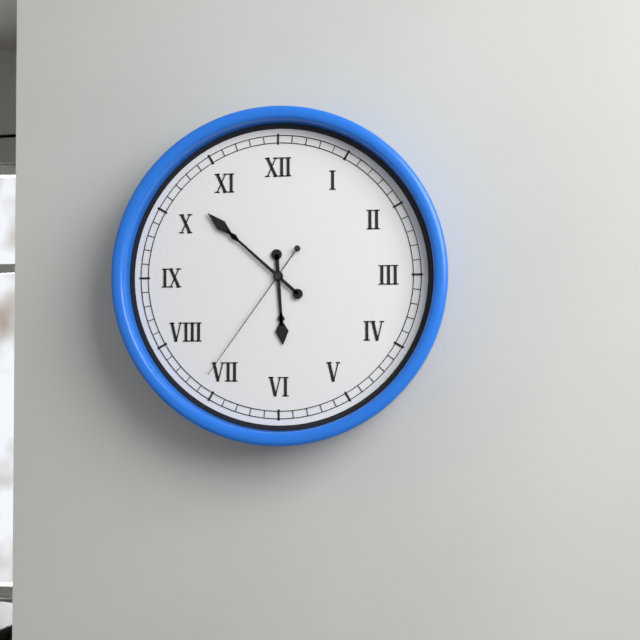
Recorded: h=5 m=52 s=36
